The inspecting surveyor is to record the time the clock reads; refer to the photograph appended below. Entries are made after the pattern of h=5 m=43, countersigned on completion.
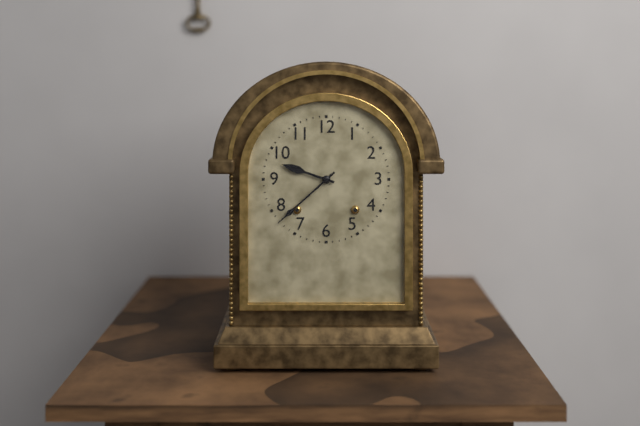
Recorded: h=9 m=38
